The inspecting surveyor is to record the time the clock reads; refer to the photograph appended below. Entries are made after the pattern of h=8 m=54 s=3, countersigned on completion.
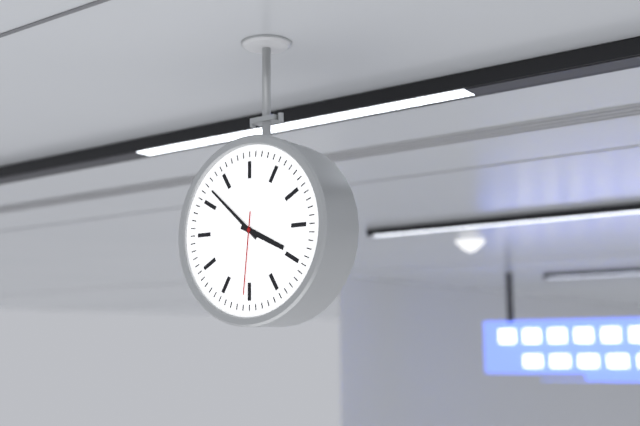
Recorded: h=3 m=52 s=31
